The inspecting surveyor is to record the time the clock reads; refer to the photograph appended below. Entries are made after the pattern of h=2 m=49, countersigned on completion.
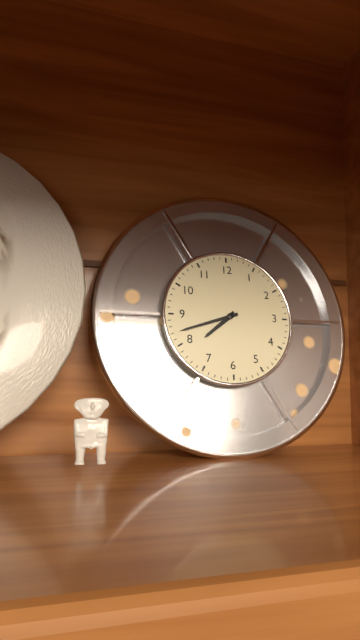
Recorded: h=7 m=42
